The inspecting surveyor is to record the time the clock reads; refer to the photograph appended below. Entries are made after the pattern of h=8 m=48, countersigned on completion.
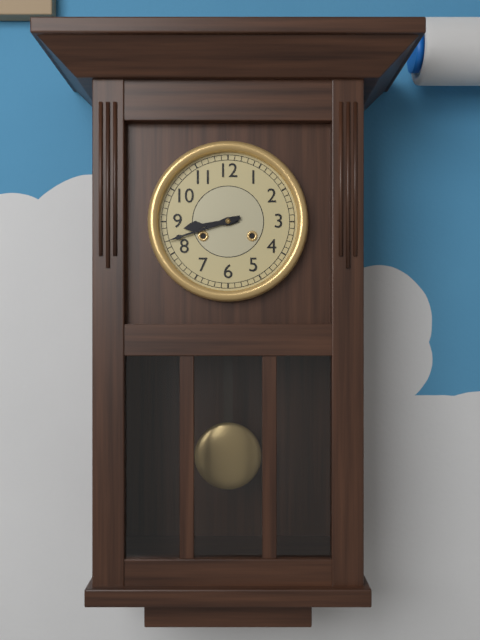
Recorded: h=8 m=42
